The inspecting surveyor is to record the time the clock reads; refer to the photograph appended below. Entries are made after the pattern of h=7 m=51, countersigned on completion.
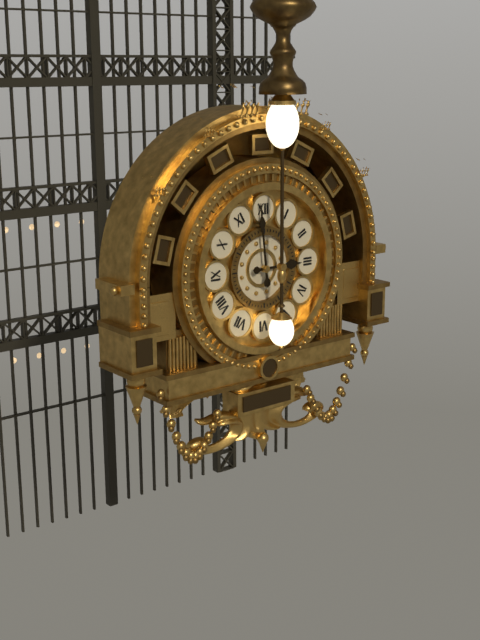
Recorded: h=2 m=59
